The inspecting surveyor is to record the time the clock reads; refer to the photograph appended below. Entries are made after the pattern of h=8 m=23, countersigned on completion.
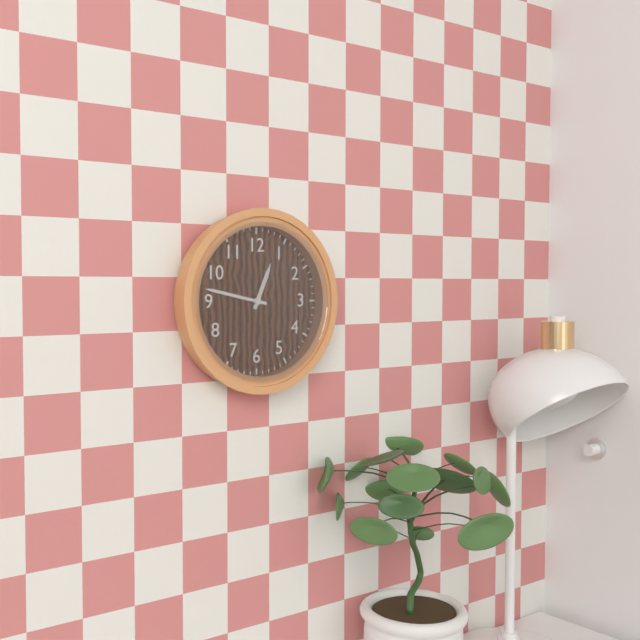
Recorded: h=12 m=47
